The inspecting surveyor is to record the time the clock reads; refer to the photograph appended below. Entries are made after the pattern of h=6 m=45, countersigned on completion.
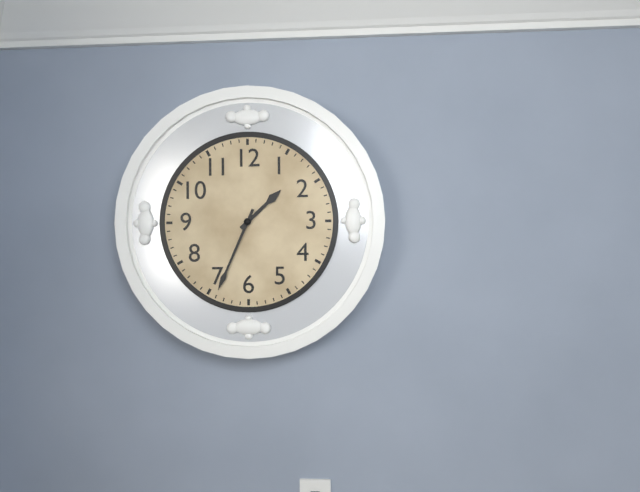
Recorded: h=1 m=34
